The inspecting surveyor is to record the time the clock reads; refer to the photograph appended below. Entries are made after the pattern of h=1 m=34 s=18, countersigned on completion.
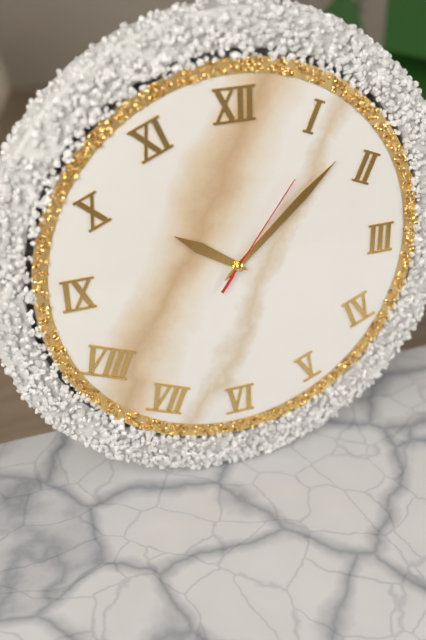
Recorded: h=10 m=8 s=6
